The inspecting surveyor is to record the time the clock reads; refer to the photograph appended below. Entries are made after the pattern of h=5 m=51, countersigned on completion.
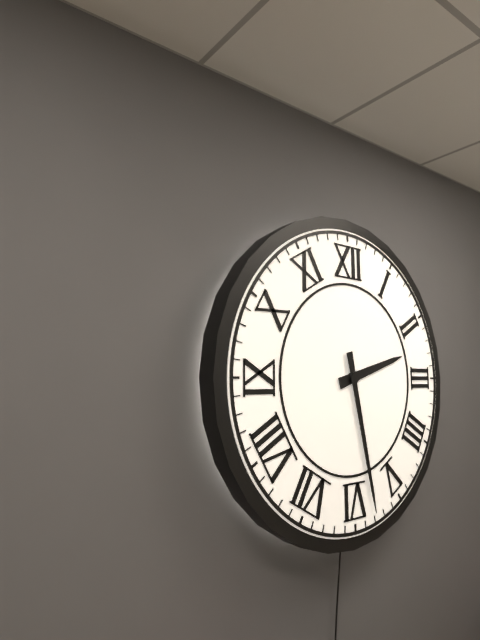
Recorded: h=2 m=28
